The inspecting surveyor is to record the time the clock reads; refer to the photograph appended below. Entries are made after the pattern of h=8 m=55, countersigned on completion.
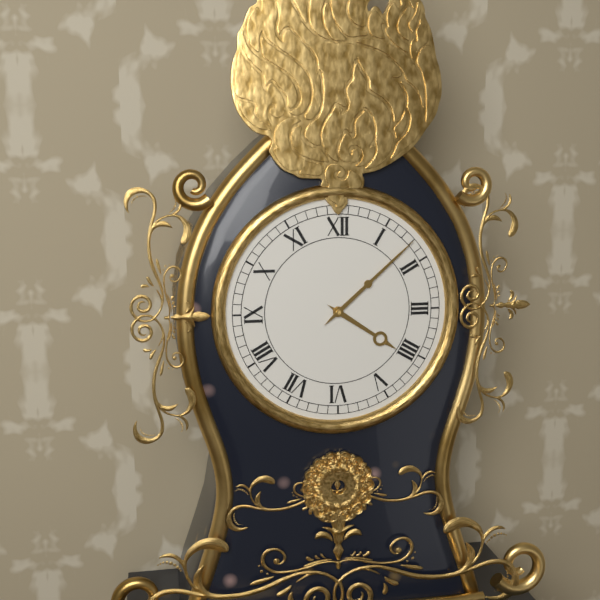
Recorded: h=4 m=8
